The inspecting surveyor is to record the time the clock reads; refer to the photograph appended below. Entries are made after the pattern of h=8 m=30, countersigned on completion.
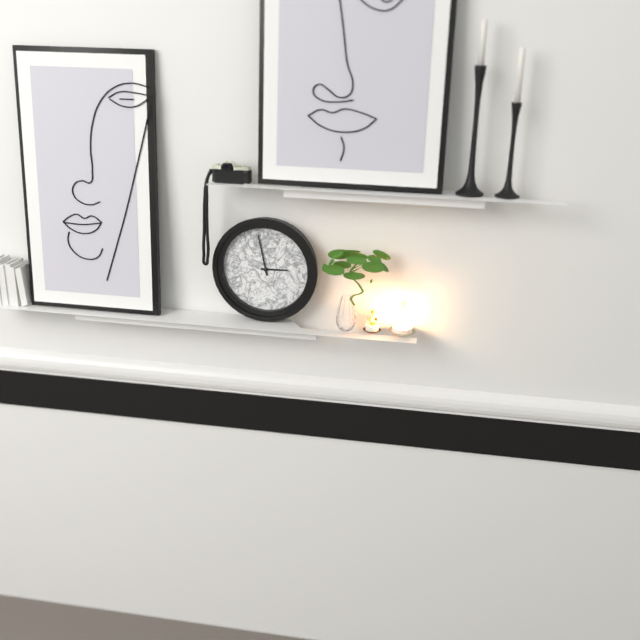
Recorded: h=2 m=58
